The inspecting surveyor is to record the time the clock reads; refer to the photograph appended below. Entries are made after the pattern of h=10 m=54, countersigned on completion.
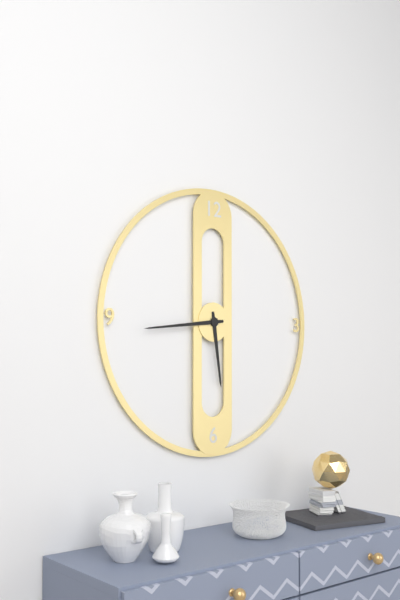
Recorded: h=5 m=44
